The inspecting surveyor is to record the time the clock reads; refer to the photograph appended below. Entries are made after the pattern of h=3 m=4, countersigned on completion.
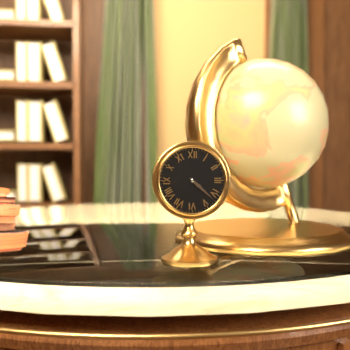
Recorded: h=4 m=22
